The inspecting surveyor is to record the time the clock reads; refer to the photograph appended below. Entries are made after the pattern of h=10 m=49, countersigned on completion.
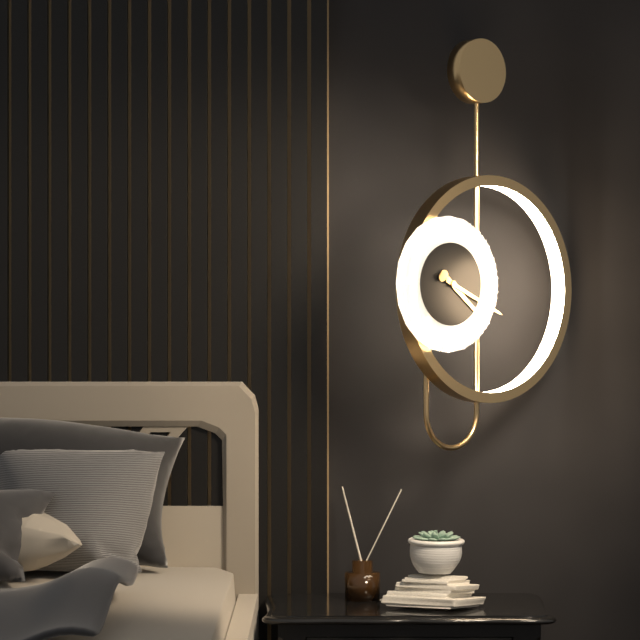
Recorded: h=4 m=19
